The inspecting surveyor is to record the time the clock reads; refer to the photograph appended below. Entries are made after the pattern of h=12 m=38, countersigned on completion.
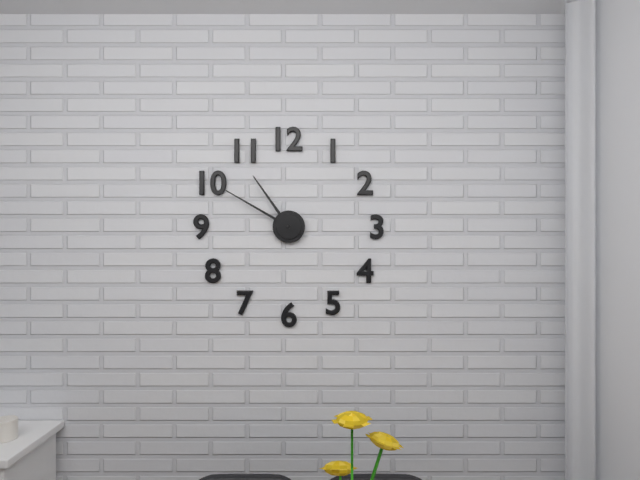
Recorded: h=10 m=50
